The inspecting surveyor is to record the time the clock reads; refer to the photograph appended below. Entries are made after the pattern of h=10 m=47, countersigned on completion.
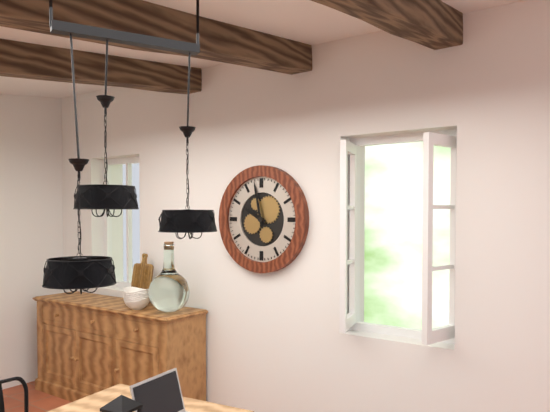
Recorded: h=9 m=58
